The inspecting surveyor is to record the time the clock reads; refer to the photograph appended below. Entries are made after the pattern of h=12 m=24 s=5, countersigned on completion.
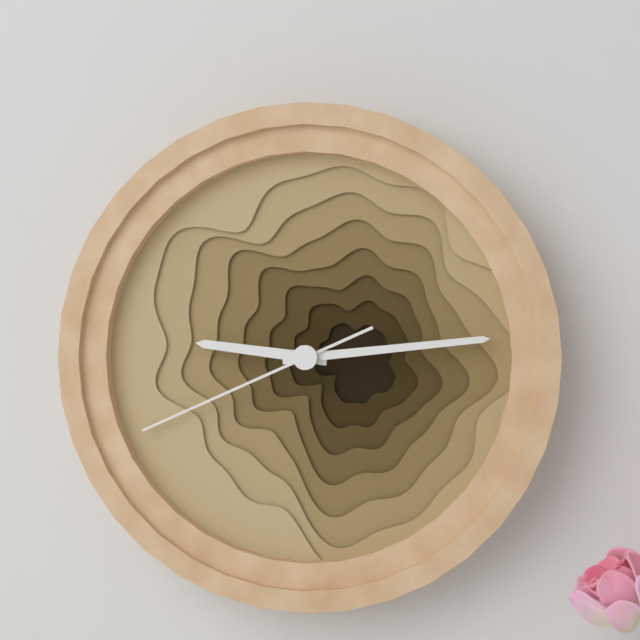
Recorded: h=9 m=14 s=41
